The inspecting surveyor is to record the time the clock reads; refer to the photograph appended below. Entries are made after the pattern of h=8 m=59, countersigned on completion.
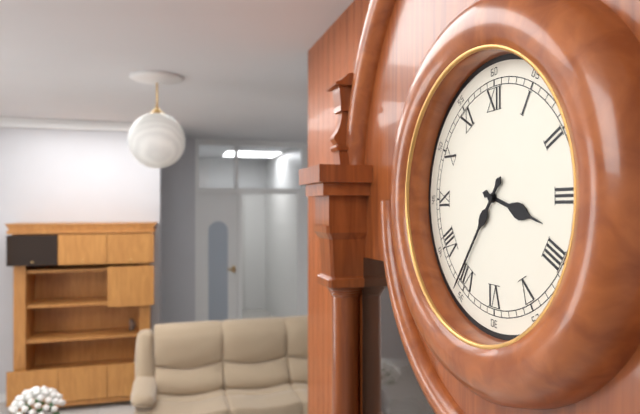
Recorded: h=3 m=36
